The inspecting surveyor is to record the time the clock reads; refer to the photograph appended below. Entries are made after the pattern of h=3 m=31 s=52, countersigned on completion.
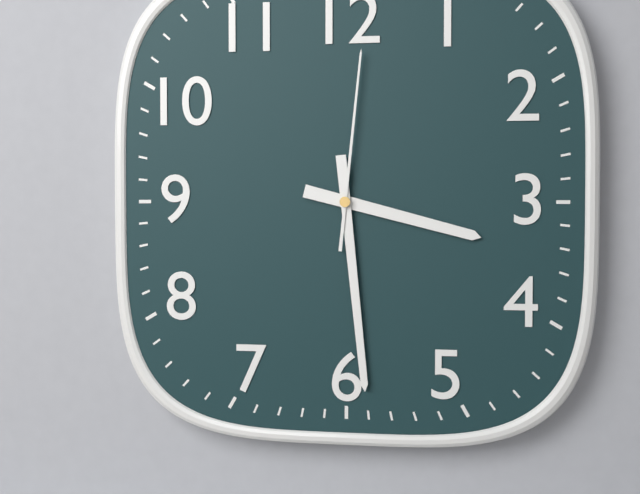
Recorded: h=3 m=29 s=1
